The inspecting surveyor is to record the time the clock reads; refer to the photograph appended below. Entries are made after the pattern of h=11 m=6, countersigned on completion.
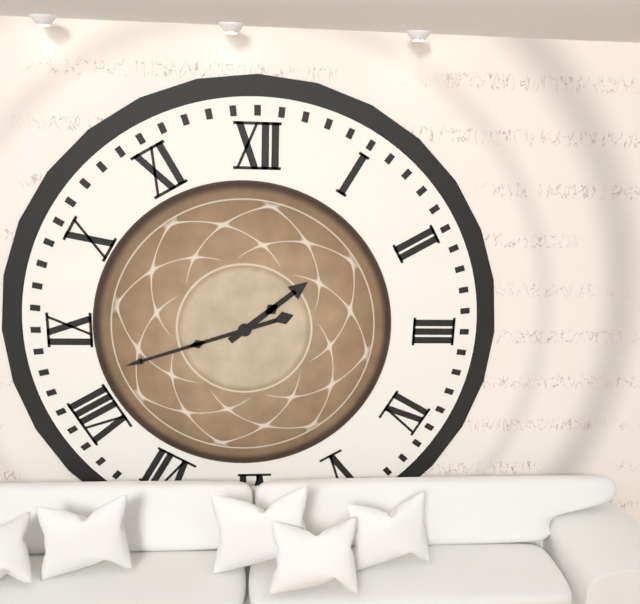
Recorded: h=1 m=42
